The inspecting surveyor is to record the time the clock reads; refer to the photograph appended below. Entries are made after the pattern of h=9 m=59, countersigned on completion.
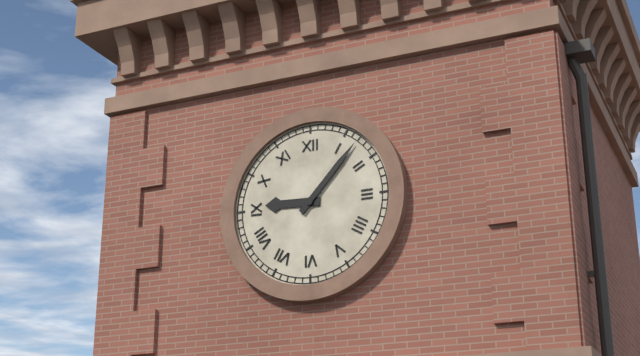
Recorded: h=9 m=7
